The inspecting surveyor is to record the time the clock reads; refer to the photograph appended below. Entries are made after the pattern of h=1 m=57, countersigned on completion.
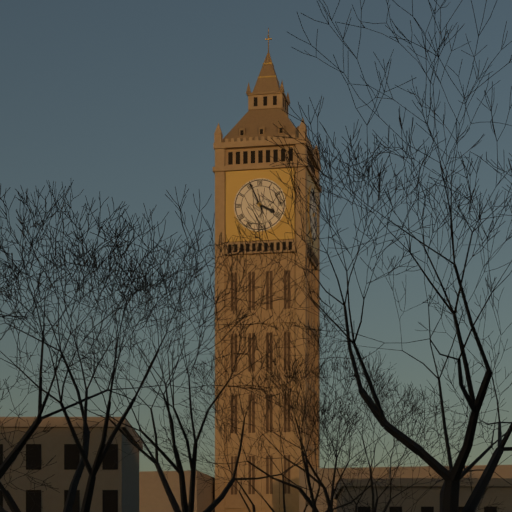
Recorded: h=3 m=56
